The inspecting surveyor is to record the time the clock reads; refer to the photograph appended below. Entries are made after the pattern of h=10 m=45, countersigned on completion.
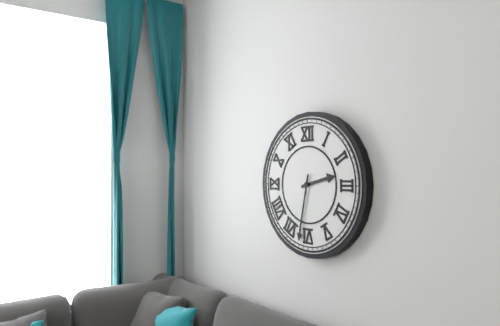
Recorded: h=2 m=32
